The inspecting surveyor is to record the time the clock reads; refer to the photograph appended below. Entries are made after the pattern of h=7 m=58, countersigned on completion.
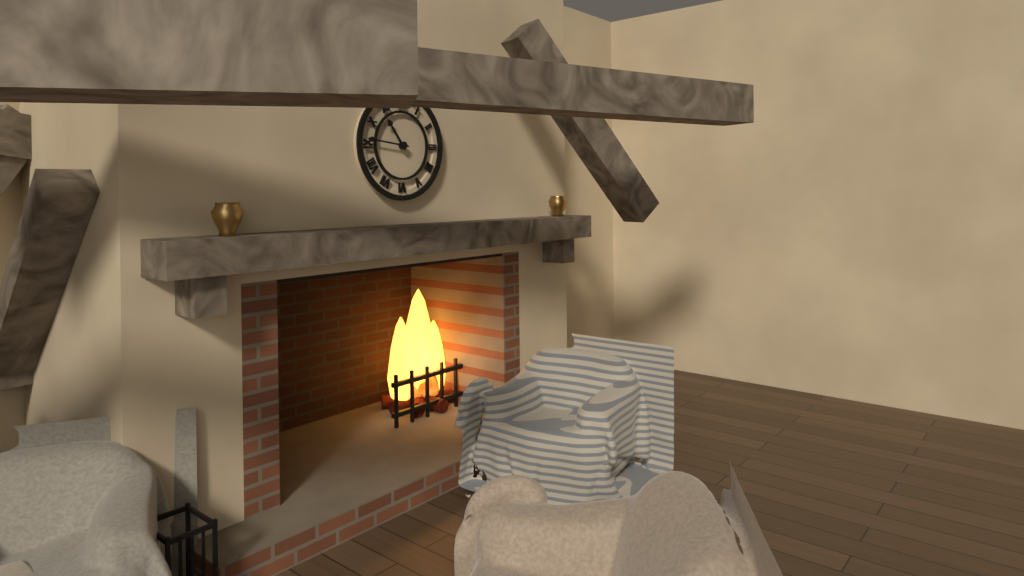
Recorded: h=10 m=46
